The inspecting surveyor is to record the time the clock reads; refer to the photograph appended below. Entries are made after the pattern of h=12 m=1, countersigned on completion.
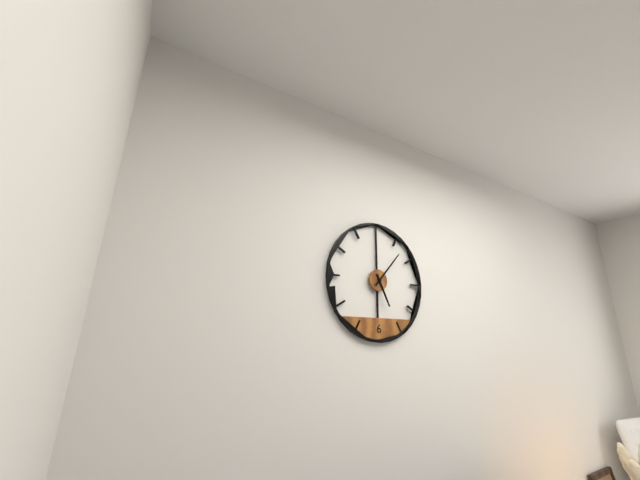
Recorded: h=5 m=7
